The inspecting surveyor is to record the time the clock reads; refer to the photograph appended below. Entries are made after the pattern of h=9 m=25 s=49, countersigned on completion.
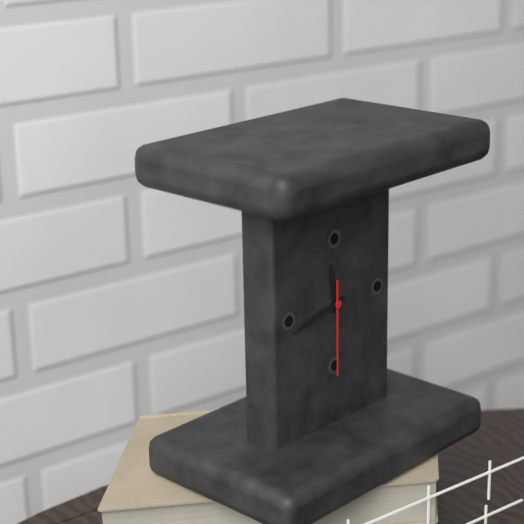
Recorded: h=11 m=43 s=30
